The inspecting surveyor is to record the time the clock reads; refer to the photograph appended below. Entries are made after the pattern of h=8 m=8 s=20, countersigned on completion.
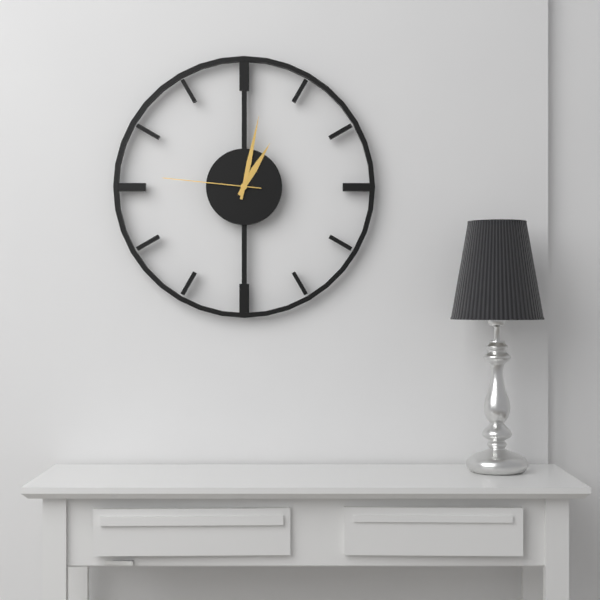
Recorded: h=1 m=2 s=46
